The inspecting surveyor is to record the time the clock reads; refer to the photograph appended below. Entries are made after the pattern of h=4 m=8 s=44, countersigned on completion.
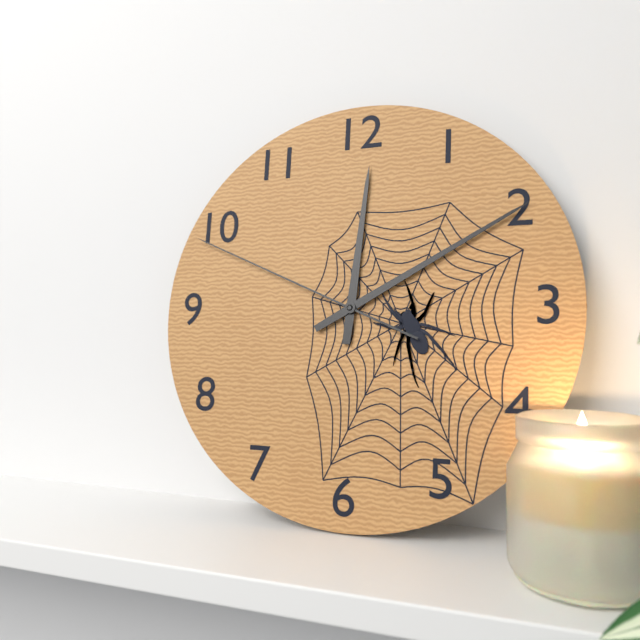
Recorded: h=12 m=10 s=49
